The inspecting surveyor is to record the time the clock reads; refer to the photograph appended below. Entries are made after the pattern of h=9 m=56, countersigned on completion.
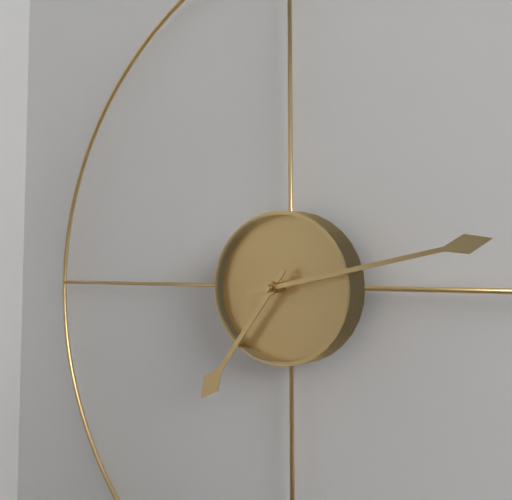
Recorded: h=7 m=13
